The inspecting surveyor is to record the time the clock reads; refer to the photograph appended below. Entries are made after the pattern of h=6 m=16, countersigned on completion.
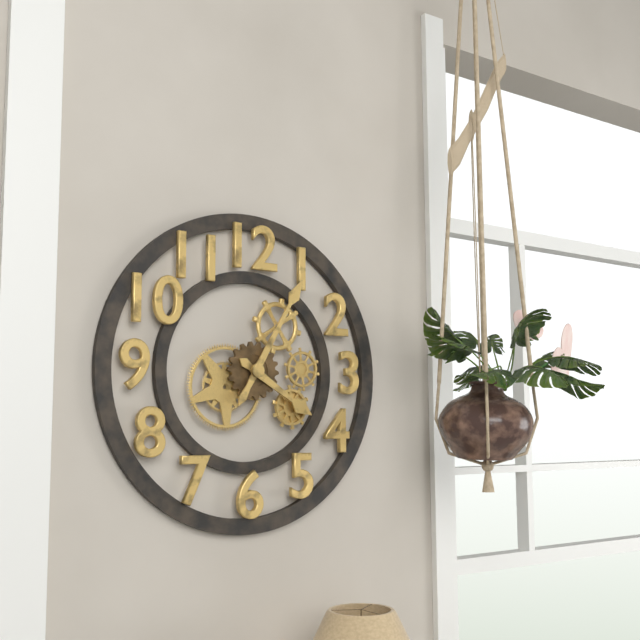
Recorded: h=4 m=5
